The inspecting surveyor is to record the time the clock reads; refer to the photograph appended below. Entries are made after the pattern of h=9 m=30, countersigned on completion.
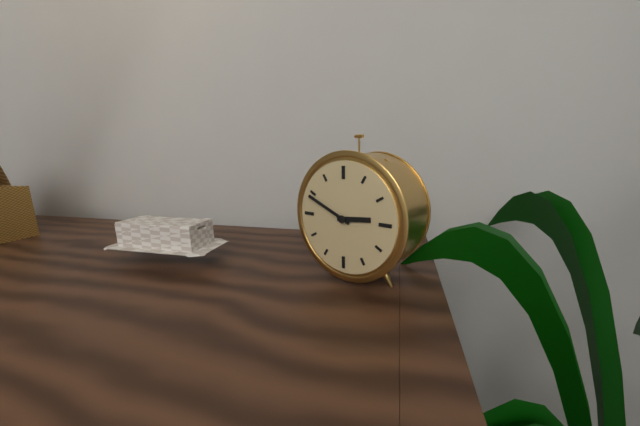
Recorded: h=2 m=49
